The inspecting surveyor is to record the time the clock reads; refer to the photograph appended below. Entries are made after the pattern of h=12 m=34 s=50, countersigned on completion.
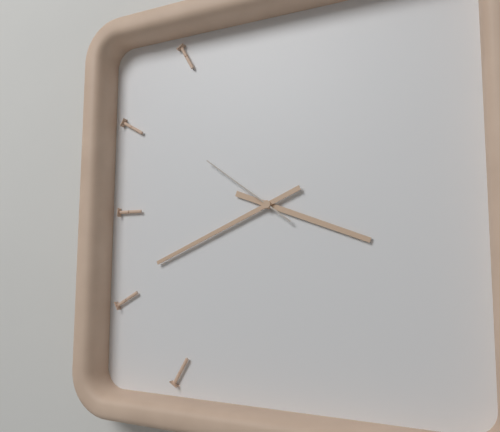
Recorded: h=3 m=41 s=51
